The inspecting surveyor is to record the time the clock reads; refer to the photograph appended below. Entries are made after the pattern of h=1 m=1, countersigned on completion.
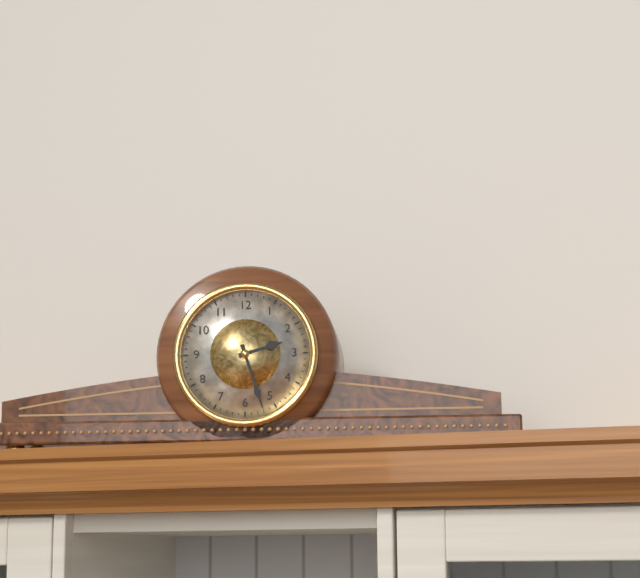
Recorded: h=2 m=27
